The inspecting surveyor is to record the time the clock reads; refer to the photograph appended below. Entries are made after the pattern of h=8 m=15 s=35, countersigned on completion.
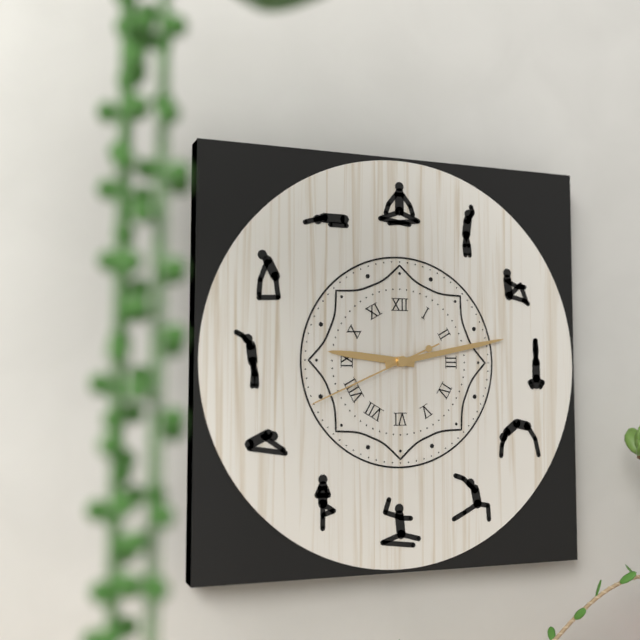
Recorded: h=9 m=13 s=41
